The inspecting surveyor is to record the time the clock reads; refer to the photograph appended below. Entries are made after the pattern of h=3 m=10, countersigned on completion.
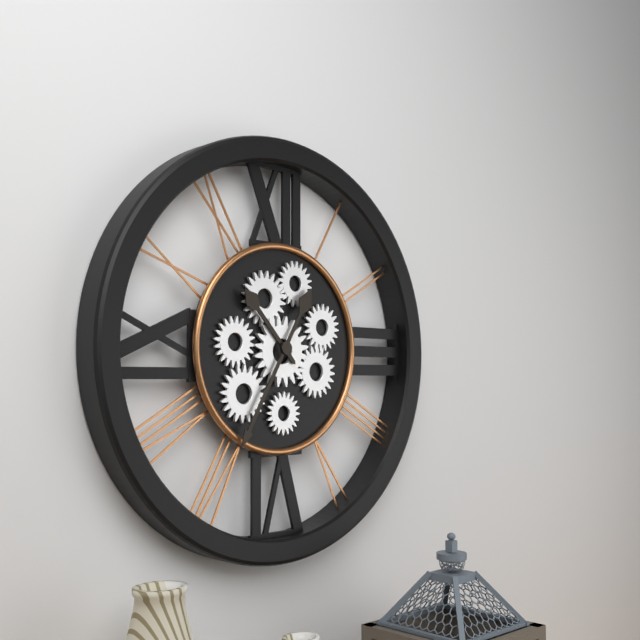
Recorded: h=10 m=35
